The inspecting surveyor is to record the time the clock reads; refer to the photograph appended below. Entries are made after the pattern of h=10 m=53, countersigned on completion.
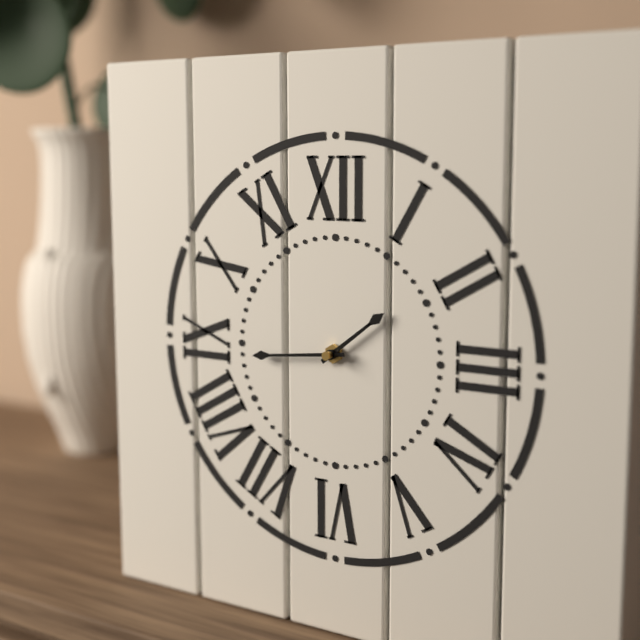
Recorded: h=1 m=44
